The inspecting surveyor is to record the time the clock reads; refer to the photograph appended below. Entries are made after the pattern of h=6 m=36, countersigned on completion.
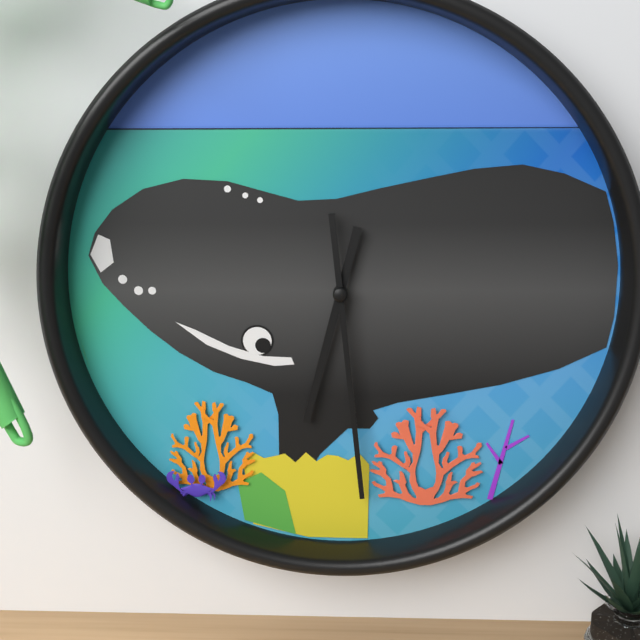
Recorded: h=6 m=29
